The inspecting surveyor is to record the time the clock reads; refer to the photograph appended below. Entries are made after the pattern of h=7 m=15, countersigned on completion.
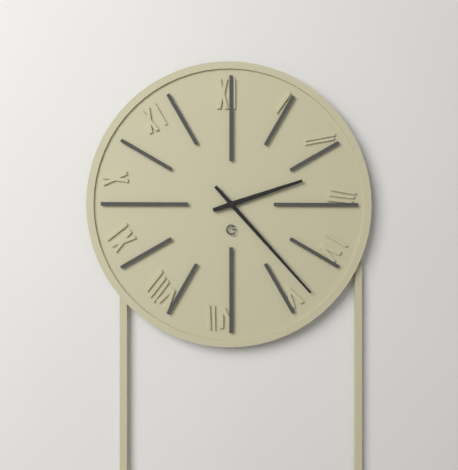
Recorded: h=2 m=23
